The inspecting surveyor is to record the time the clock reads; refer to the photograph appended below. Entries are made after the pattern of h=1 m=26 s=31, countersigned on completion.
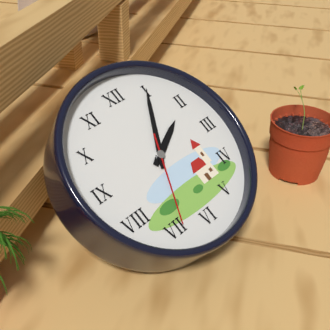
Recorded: h=2 m=5 s=34
